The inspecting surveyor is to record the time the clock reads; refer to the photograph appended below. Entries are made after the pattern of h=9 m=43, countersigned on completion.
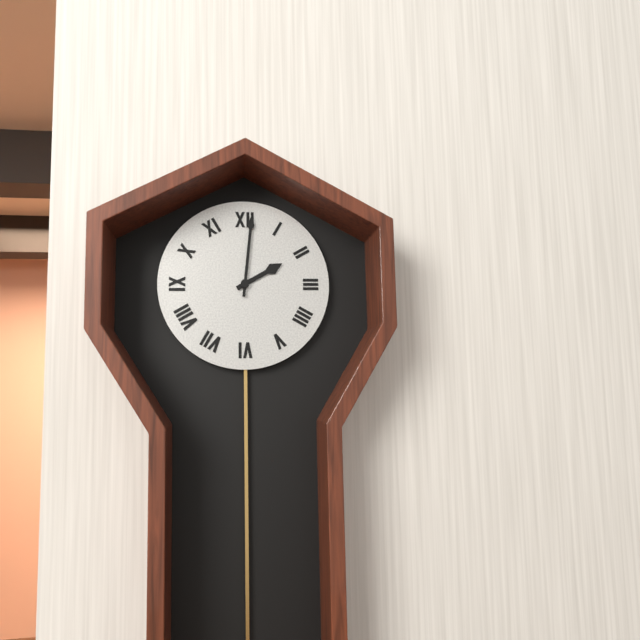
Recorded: h=2 m=1
